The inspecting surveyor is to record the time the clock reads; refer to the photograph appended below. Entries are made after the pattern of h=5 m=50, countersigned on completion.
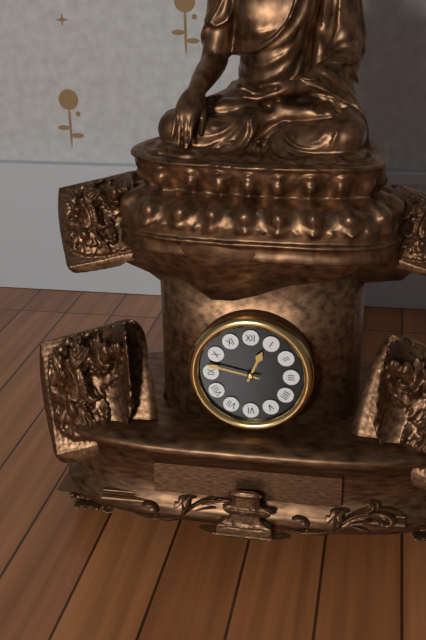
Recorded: h=12 m=47
